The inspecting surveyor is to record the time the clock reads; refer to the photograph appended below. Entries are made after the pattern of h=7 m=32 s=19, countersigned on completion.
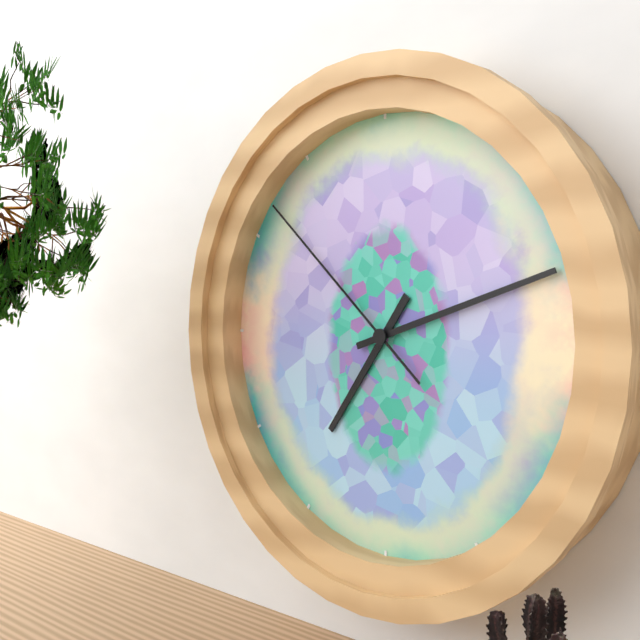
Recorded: h=7 m=12 s=52
